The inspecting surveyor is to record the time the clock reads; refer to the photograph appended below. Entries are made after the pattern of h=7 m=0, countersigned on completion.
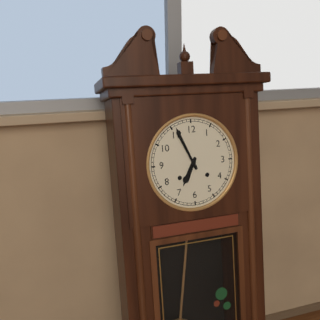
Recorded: h=6 m=56
